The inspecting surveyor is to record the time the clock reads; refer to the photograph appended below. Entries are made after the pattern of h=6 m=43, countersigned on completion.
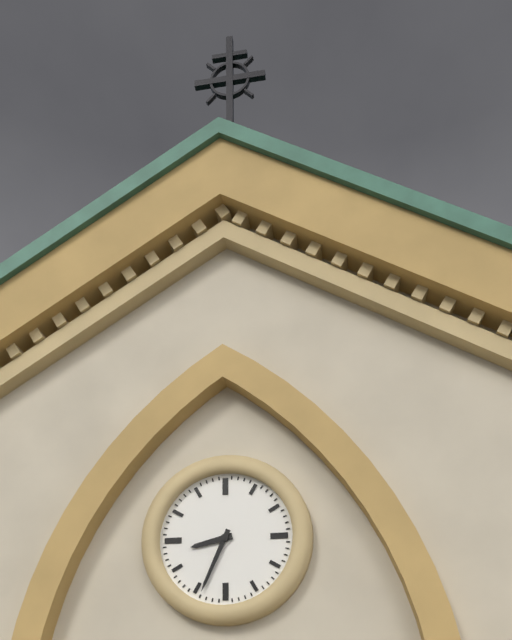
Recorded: h=8 m=34
